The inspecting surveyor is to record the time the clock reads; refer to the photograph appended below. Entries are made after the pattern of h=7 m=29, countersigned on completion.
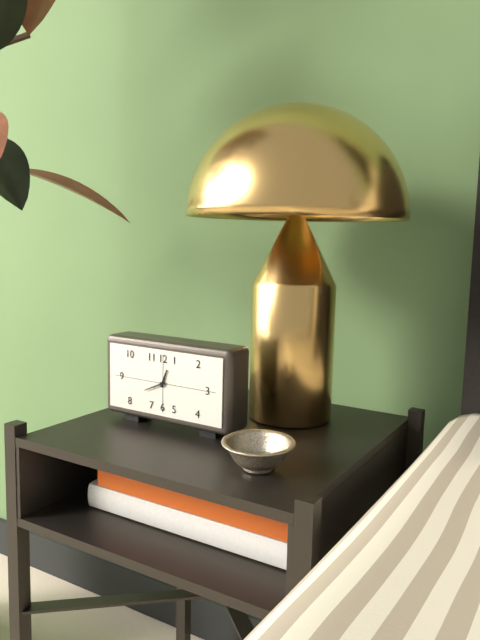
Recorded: h=12 m=41
